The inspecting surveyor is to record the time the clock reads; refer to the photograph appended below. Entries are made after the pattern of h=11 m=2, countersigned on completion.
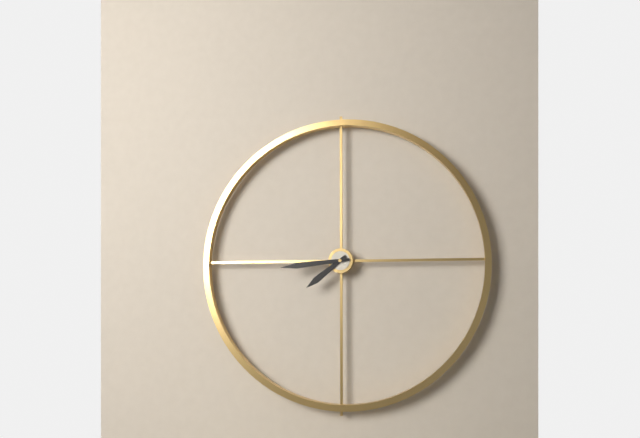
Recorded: h=7 m=44
